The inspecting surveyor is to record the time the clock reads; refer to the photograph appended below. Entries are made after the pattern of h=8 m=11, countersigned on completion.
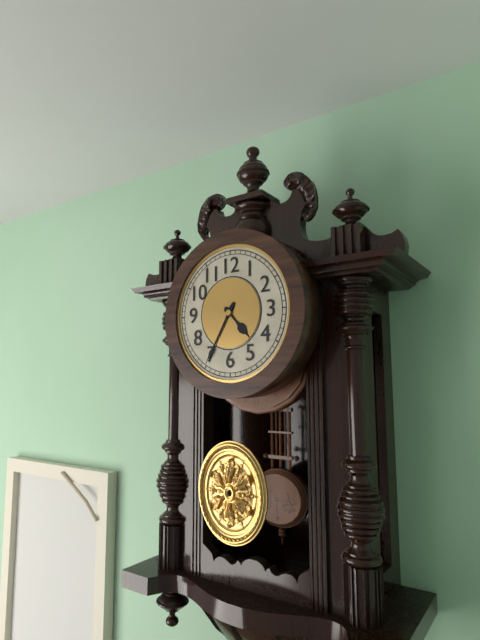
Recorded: h=4 m=35
